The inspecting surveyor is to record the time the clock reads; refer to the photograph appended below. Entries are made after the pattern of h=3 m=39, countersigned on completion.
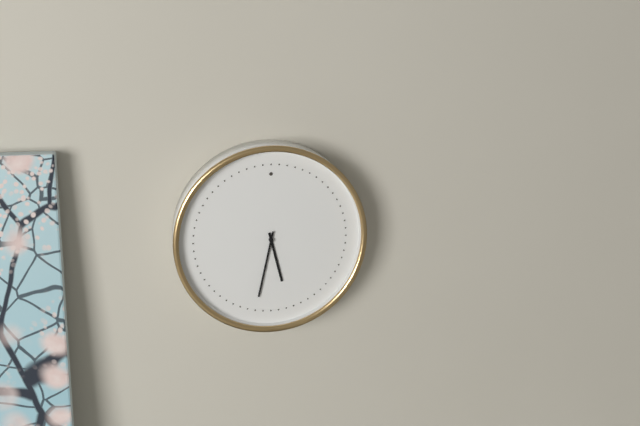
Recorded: h=5 m=32
